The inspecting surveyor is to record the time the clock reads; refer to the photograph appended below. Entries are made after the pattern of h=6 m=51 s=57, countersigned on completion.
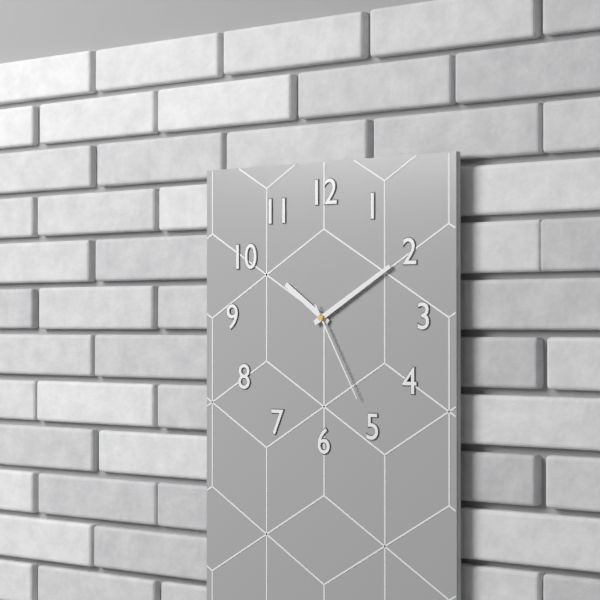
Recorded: h=10 m=10 s=25
